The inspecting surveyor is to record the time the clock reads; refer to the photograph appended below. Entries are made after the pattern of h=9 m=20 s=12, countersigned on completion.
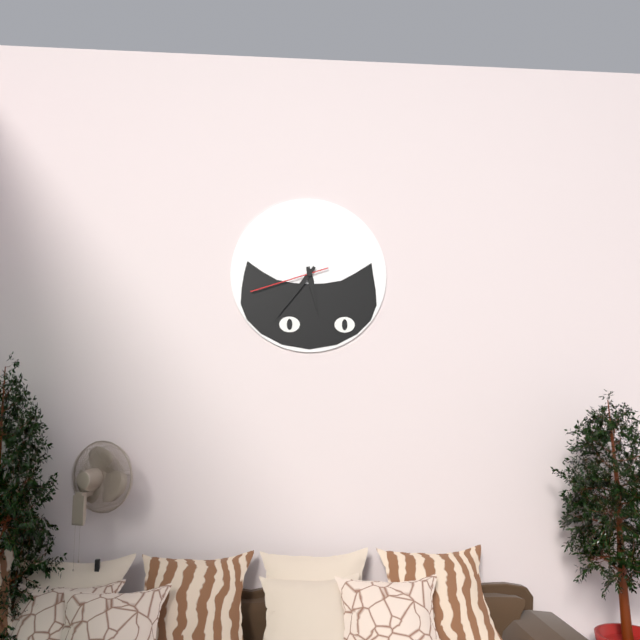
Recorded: h=5 m=36 s=42
